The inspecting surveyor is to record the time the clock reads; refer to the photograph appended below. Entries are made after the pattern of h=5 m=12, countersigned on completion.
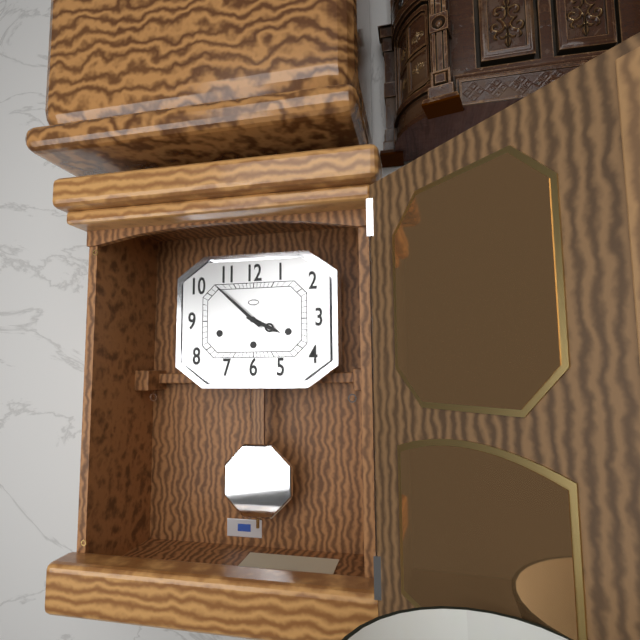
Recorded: h=3 m=52
